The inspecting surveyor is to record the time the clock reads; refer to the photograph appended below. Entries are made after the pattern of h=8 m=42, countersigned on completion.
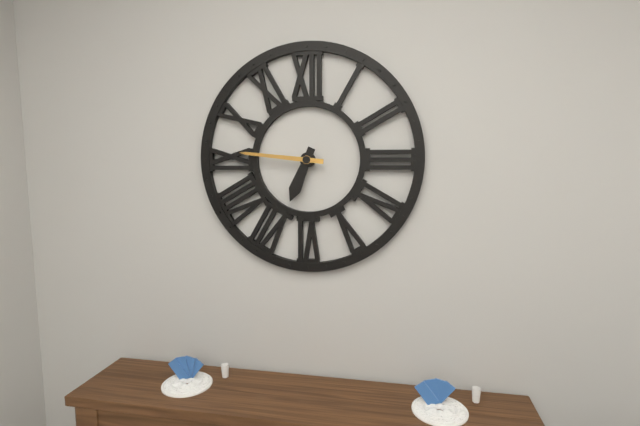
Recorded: h=6 m=46
